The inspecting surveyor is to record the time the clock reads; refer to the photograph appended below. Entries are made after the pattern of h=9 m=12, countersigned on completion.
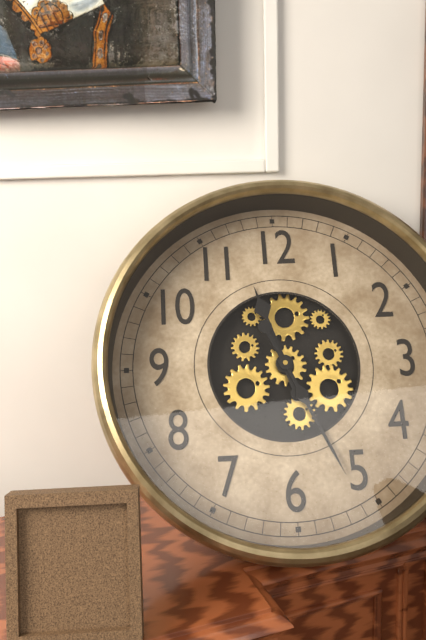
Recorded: h=11 m=26
